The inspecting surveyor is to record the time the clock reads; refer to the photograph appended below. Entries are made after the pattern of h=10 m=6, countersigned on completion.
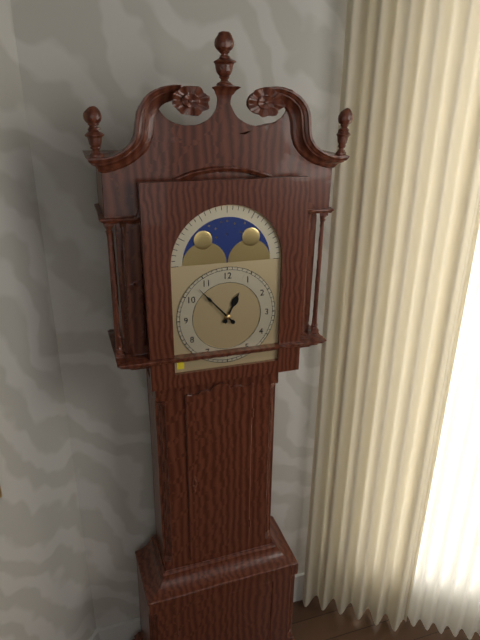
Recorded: h=12 m=53
